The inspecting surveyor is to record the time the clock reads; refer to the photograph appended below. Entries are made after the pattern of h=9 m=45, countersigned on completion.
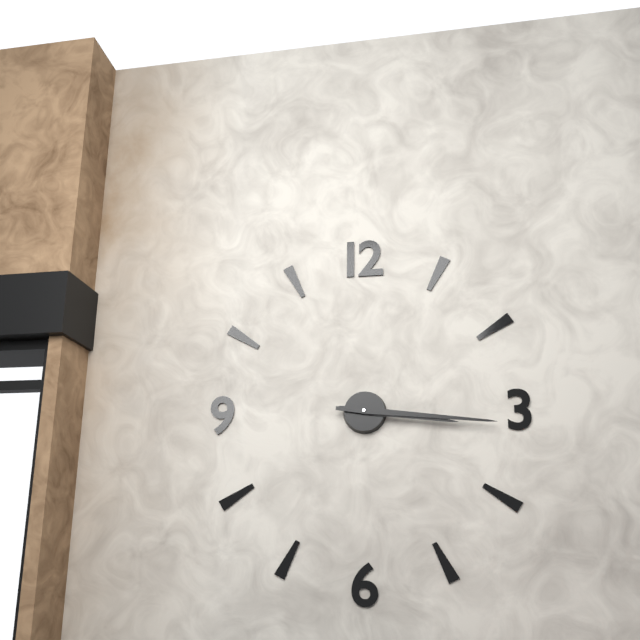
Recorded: h=3 m=16
